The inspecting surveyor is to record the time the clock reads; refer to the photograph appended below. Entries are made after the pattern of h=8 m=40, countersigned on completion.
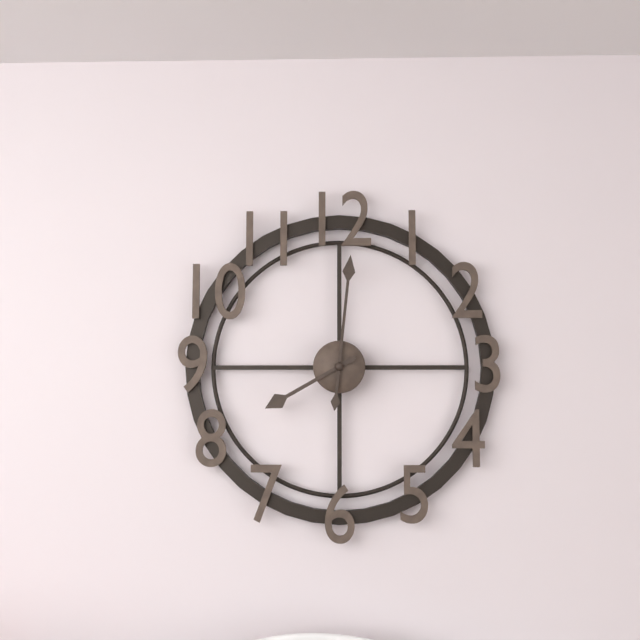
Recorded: h=8 m=1
